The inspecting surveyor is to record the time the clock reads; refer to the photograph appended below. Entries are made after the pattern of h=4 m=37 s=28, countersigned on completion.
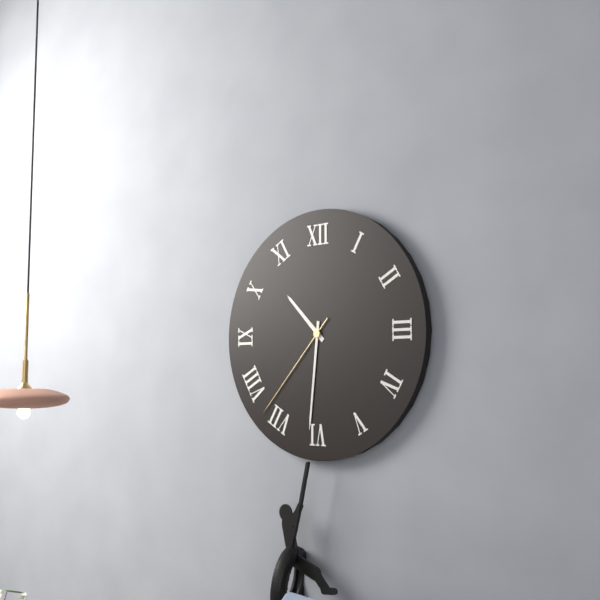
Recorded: h=10 m=31 s=37
